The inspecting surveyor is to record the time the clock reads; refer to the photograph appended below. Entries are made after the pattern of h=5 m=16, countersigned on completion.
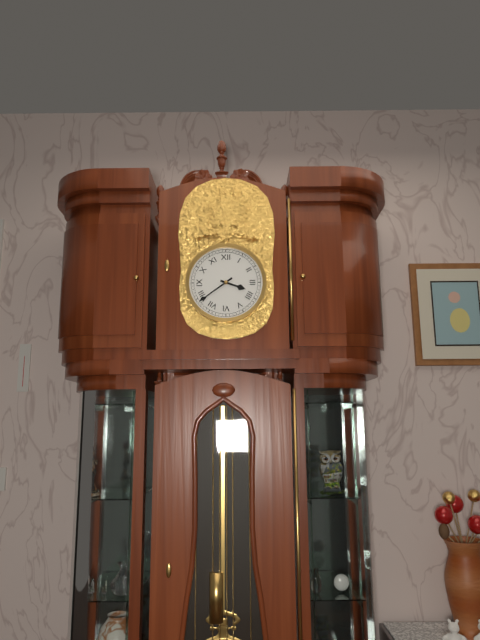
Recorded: h=3 m=39
